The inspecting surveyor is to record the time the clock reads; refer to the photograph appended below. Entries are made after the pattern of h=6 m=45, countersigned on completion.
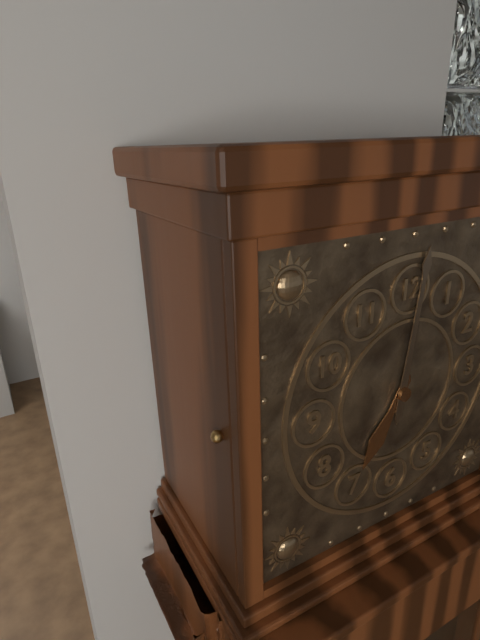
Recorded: h=7 m=1
